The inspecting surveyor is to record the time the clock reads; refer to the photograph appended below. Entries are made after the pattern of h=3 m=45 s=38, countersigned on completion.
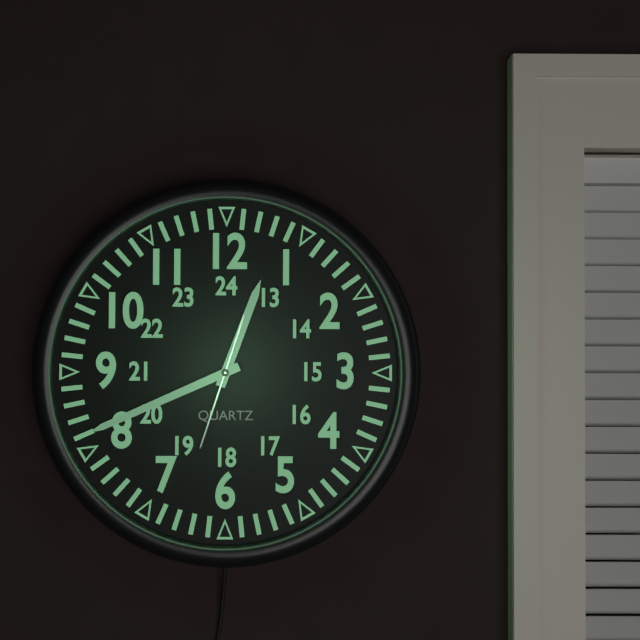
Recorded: h=12 m=41 s=33
